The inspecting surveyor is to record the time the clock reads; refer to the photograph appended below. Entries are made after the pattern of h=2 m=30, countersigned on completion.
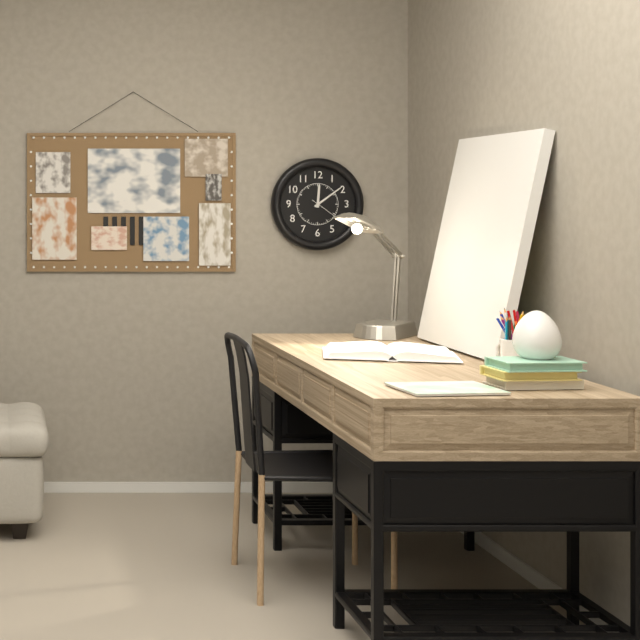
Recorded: h=12 m=9
